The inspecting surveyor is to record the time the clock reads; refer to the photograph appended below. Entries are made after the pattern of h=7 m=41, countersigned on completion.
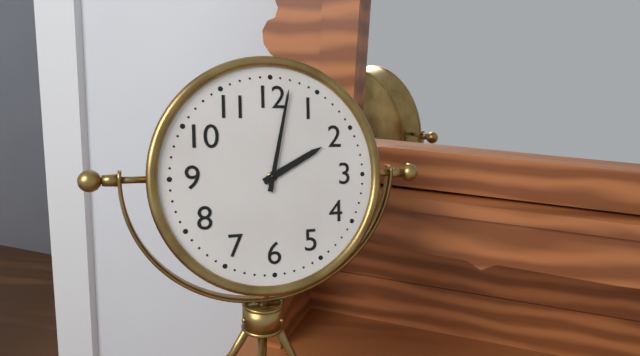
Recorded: h=2 m=2
